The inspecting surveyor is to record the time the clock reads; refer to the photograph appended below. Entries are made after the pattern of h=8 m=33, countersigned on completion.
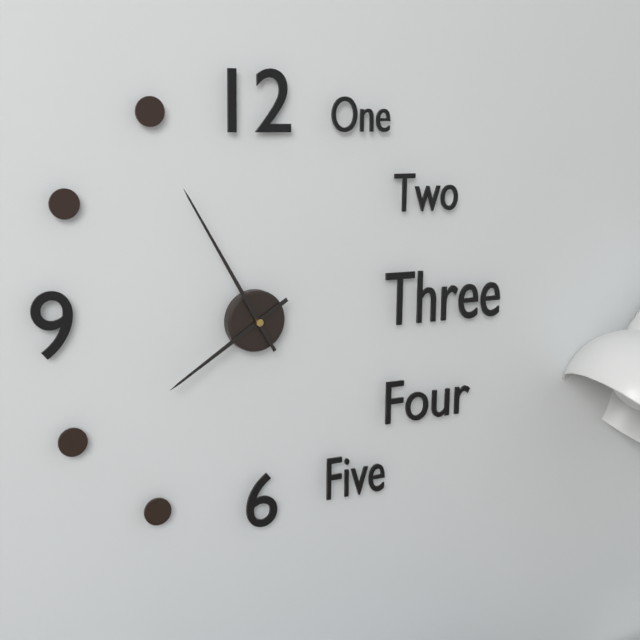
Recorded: h=7 m=55
